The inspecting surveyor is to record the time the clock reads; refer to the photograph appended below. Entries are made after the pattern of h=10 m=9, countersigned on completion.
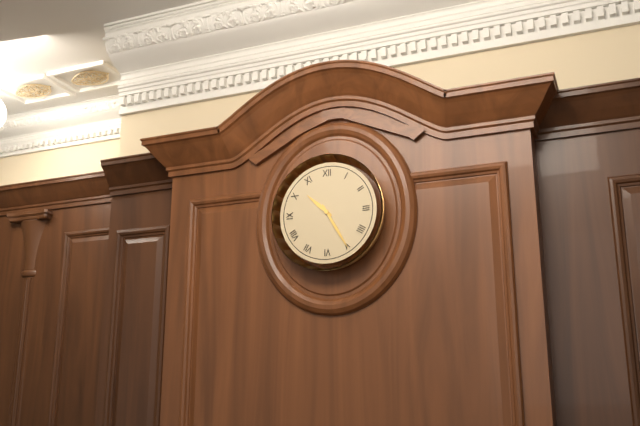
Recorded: h=10 m=25
